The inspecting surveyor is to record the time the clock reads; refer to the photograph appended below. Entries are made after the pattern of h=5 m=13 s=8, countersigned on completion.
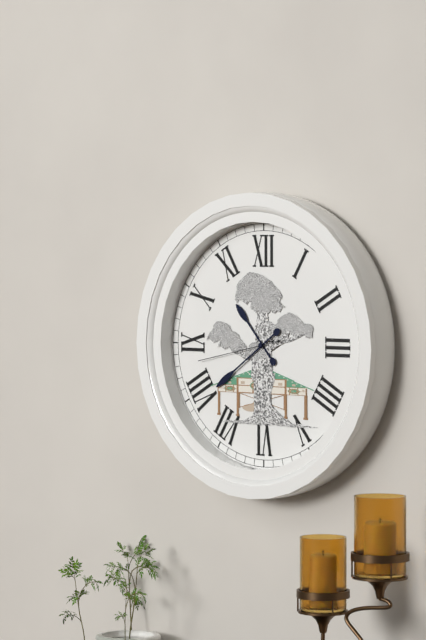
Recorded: h=10 m=39 s=43
